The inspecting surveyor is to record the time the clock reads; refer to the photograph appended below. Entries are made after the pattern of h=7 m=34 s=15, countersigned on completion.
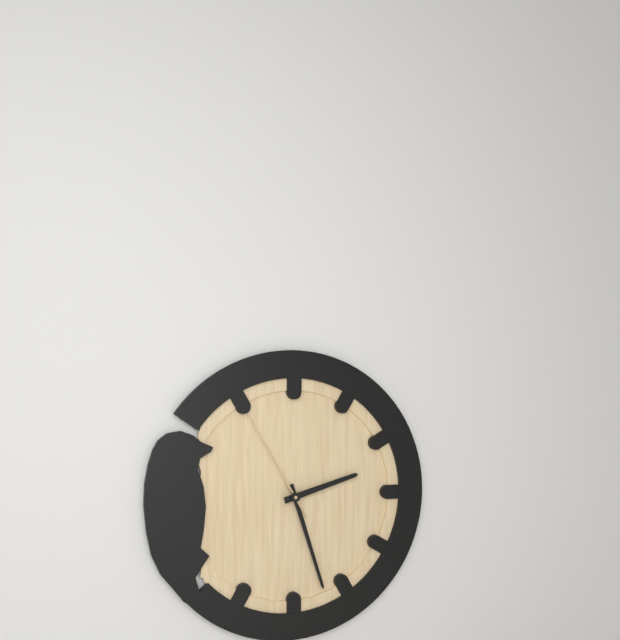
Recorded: h=2 m=27 s=55
